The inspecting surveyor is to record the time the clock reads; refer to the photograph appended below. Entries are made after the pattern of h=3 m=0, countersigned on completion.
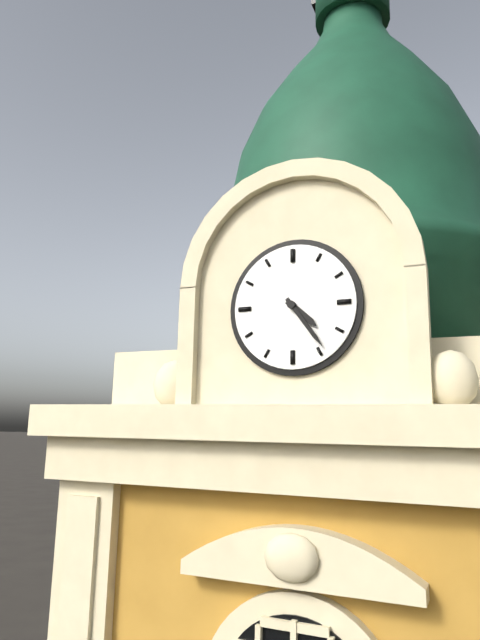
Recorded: h=4 m=24
